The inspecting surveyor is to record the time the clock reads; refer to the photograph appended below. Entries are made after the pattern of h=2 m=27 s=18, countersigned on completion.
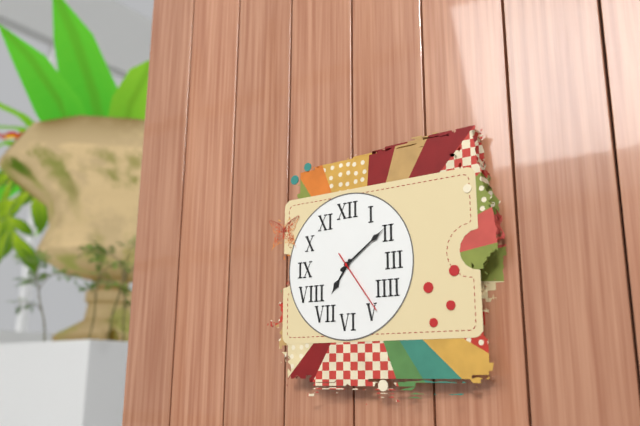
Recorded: h=7 m=9 s=24
